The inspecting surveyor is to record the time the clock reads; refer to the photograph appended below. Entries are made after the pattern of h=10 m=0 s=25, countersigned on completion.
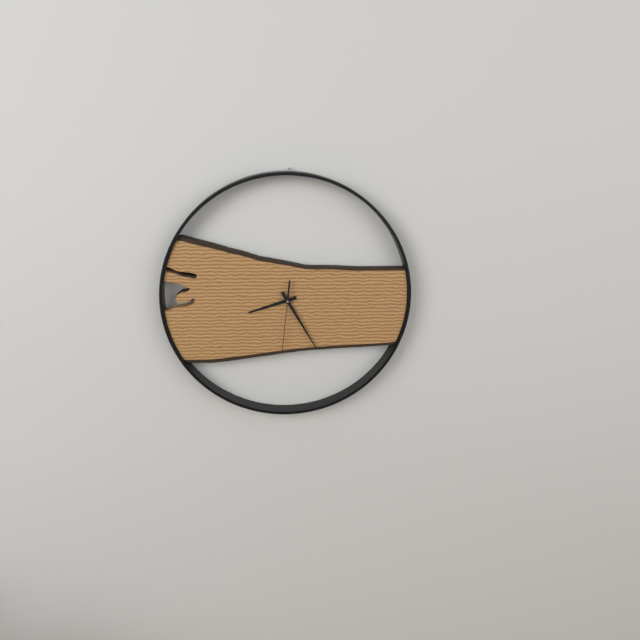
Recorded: h=8 m=25 s=31
